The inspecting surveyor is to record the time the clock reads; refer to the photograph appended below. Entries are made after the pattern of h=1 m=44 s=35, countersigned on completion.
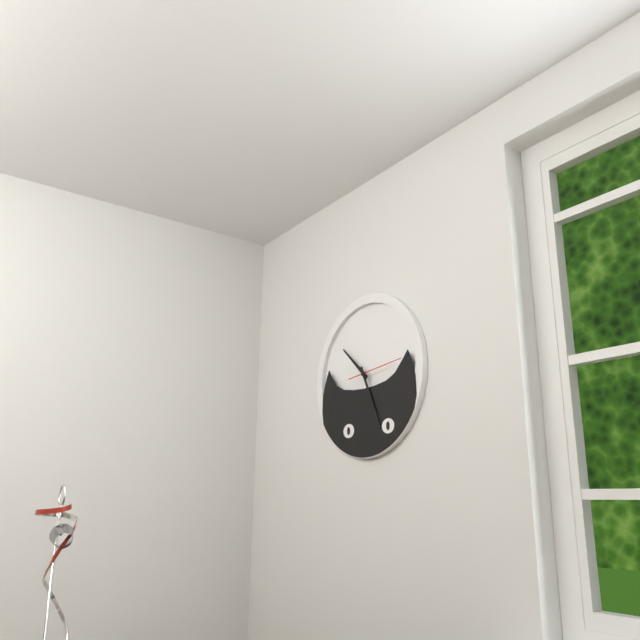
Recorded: h=10 m=26 s=14
